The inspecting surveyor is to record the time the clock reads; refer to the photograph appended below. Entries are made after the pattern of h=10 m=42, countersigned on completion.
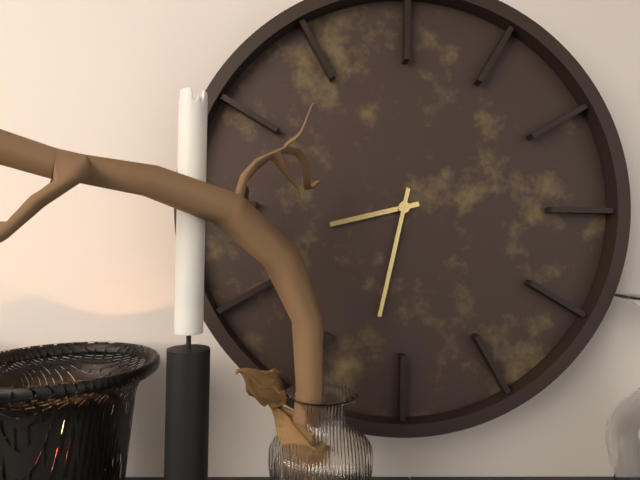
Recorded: h=8 m=32
